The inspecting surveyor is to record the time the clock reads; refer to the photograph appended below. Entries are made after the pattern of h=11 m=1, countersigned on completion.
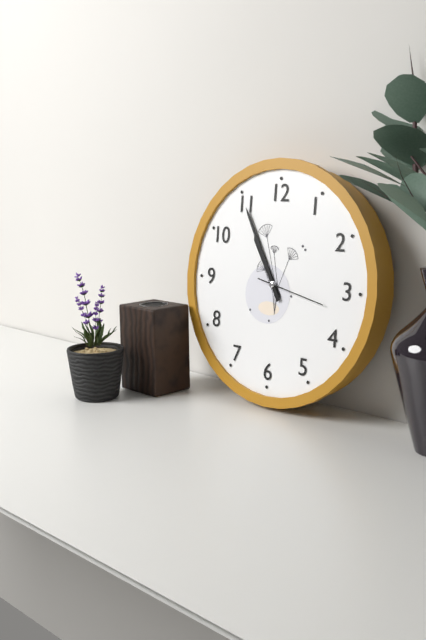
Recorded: h=10 m=55
